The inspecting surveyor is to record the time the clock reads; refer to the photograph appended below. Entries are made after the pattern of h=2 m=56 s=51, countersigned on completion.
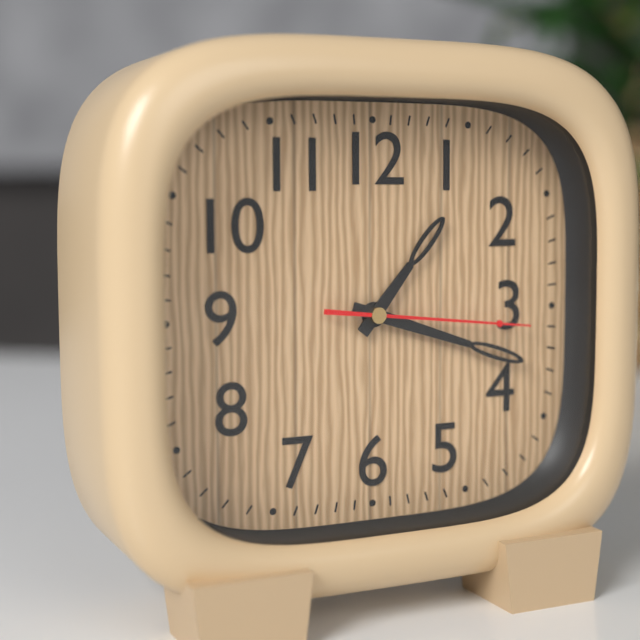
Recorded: h=1 m=18 s=16
